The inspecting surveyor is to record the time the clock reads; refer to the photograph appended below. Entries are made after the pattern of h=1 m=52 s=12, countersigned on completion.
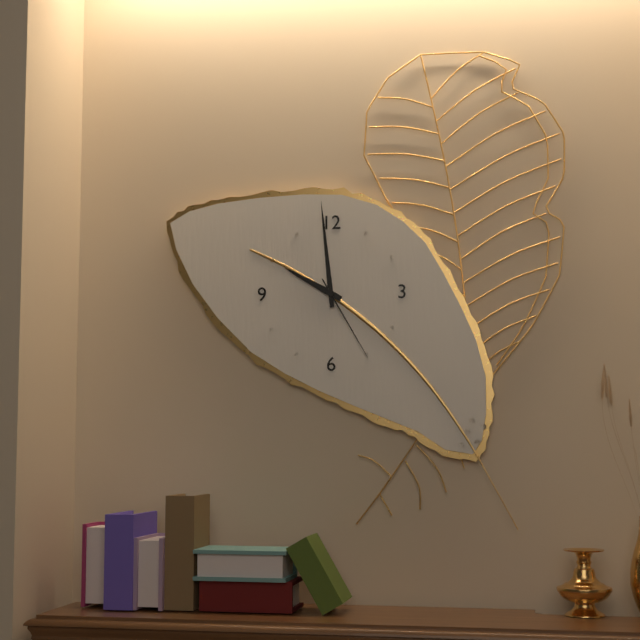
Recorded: h=9 m=59 s=25
